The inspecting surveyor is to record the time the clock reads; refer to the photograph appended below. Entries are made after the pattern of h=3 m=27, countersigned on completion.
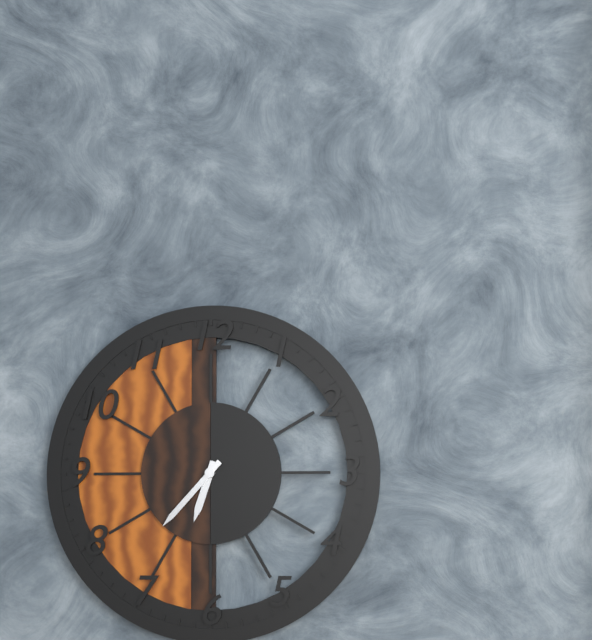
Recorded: h=6 m=37
